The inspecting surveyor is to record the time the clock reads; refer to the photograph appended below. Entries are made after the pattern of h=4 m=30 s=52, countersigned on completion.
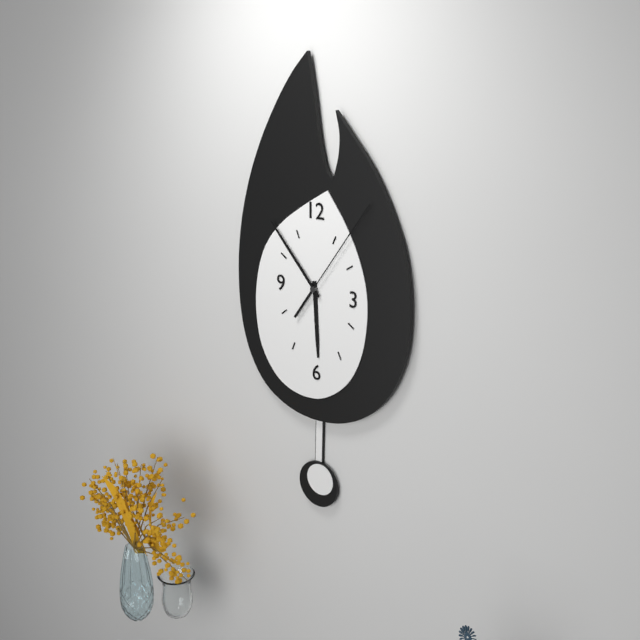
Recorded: h=5 m=53 s=6
